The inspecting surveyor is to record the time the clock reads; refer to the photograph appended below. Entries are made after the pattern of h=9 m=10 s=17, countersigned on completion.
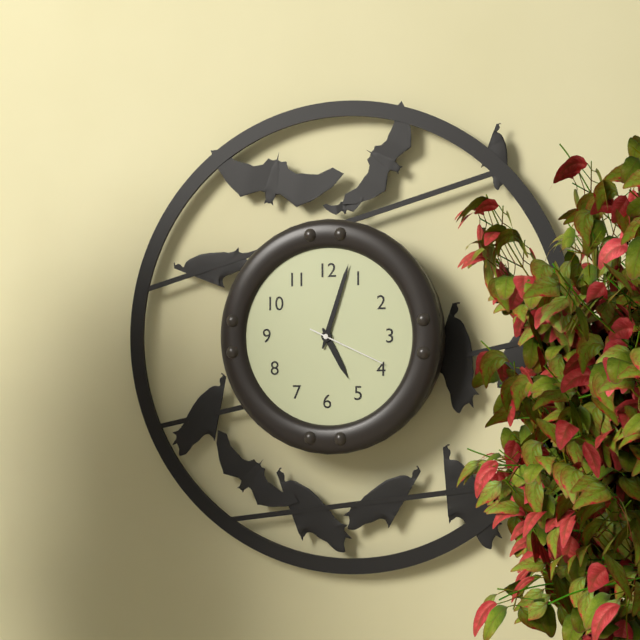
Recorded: h=5 m=3 s=19
